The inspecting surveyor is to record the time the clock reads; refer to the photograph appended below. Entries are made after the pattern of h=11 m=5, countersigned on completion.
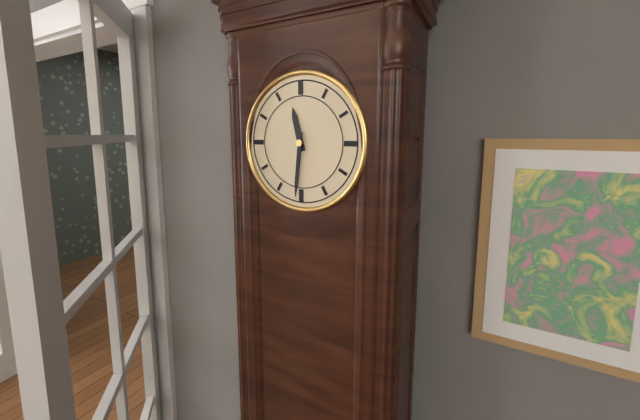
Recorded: h=11 m=31
